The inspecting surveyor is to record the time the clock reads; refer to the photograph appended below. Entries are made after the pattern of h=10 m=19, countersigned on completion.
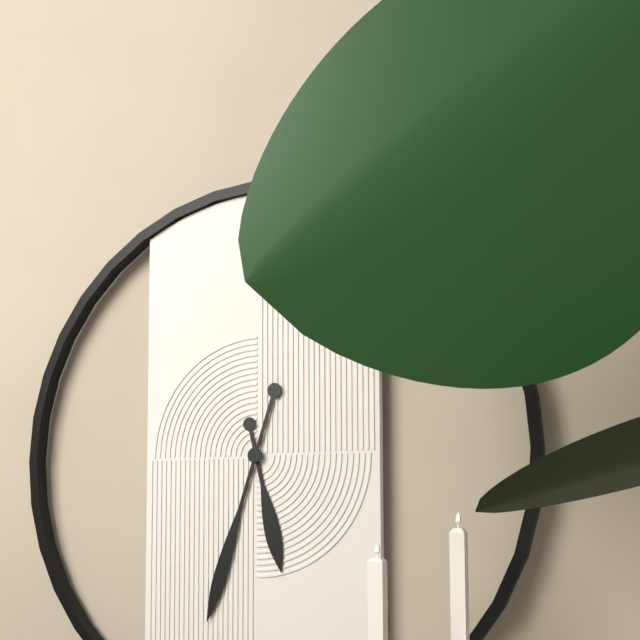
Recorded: h=5 m=33
